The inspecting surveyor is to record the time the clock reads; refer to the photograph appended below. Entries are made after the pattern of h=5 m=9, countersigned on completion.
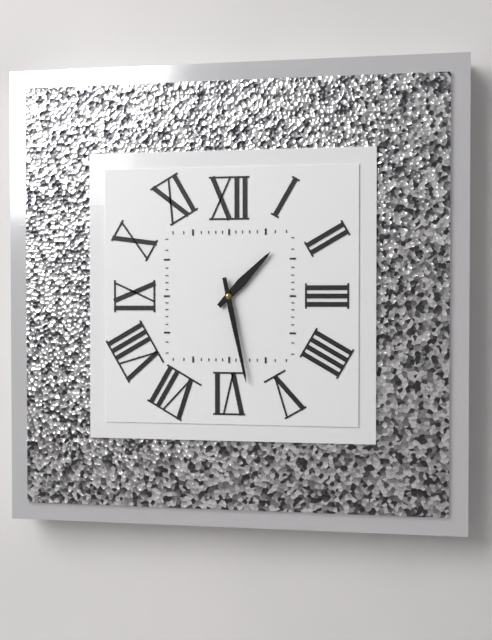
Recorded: h=1 m=28
